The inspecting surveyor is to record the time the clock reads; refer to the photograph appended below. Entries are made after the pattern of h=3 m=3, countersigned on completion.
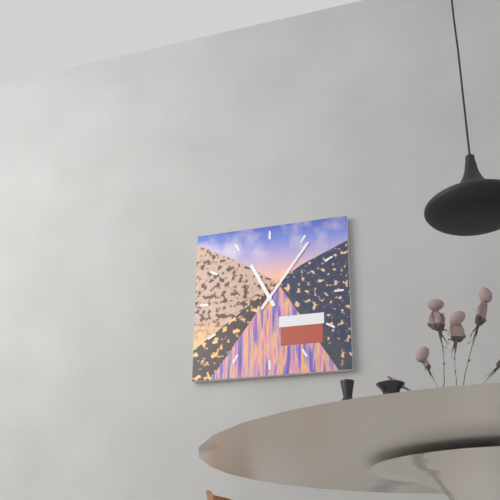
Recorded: h=11 m=6
